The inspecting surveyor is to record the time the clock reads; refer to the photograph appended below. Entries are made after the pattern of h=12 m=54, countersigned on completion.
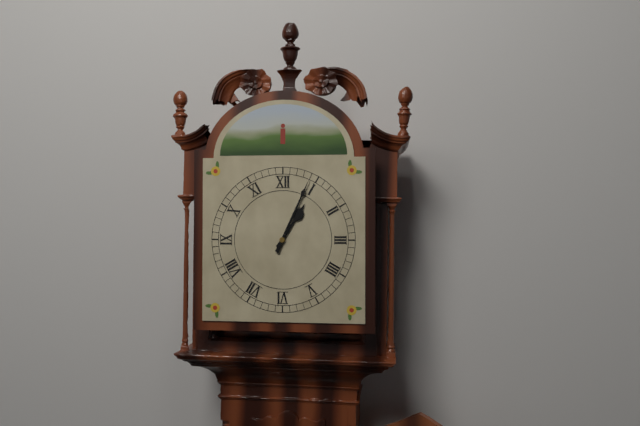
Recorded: h=1 m=4
